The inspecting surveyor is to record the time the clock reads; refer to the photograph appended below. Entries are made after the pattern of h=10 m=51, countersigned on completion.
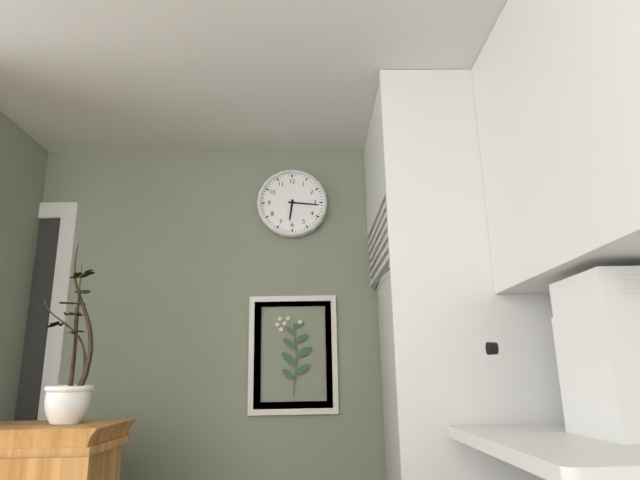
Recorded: h=6 m=16
